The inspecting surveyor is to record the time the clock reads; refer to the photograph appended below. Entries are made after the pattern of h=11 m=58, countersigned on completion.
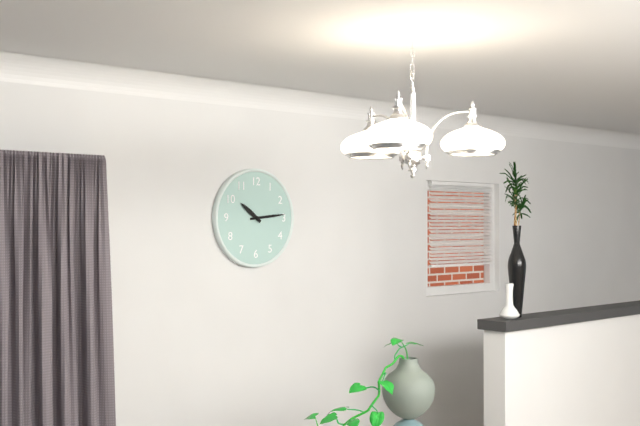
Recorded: h=10 m=14
